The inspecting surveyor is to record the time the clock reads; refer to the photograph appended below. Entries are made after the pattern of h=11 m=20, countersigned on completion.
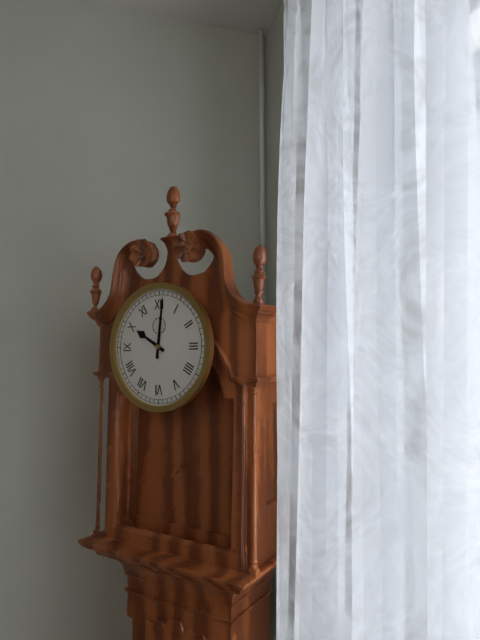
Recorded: h=10 m=1
